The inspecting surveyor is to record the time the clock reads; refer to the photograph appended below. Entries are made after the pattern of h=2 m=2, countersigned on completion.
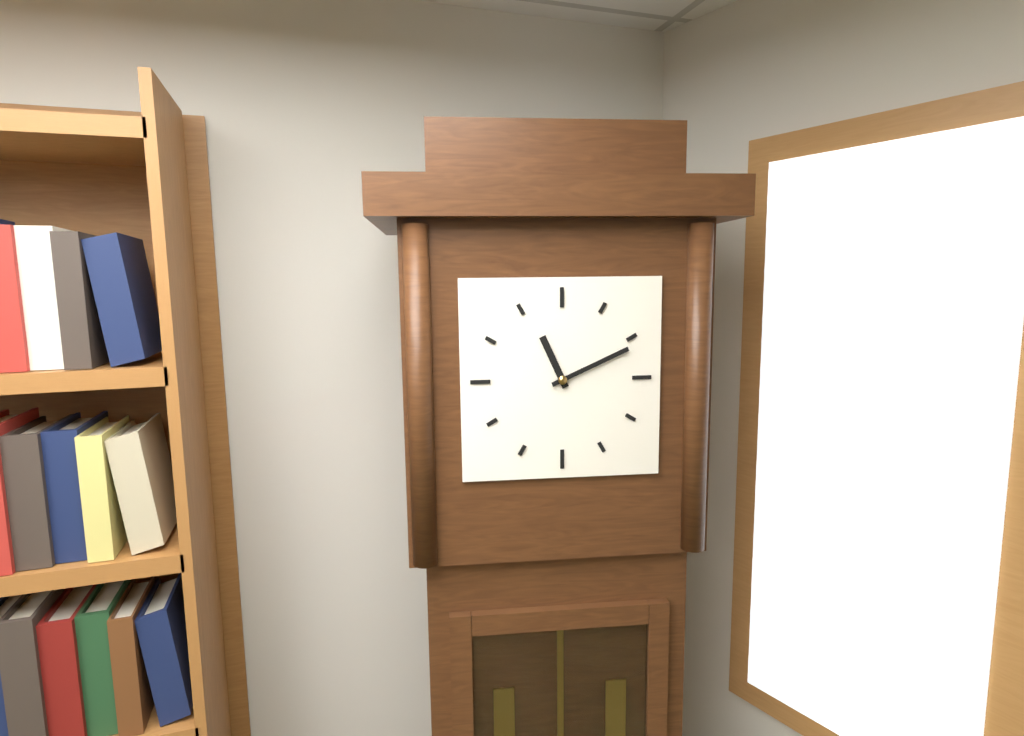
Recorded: h=11 m=11
